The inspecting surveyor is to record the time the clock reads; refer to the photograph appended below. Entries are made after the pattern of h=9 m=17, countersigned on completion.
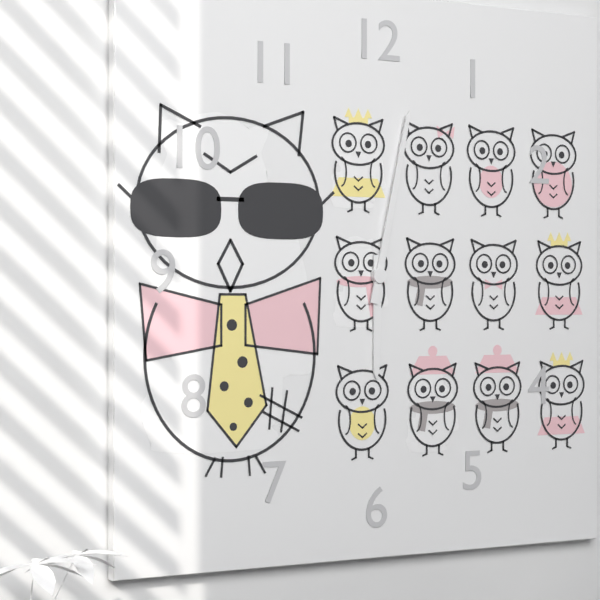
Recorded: h=6 m=2
